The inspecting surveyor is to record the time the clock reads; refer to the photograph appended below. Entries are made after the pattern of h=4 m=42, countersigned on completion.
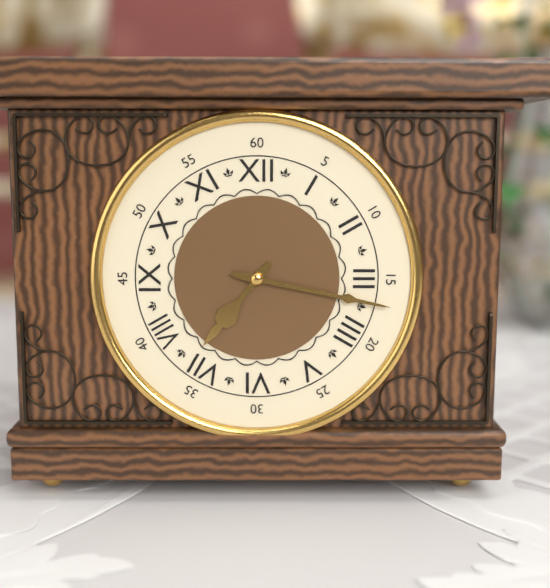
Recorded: h=7 m=17
